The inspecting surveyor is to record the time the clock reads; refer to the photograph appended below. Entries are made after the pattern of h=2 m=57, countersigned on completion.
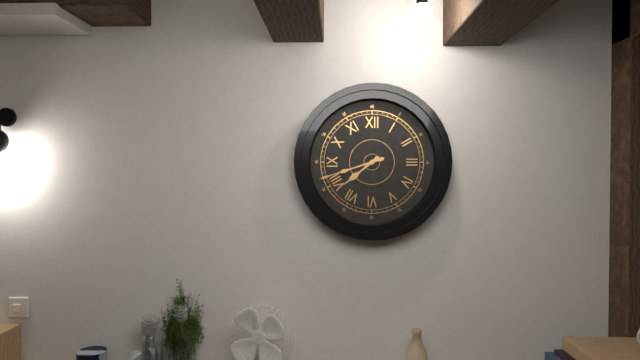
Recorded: h=7 m=42
